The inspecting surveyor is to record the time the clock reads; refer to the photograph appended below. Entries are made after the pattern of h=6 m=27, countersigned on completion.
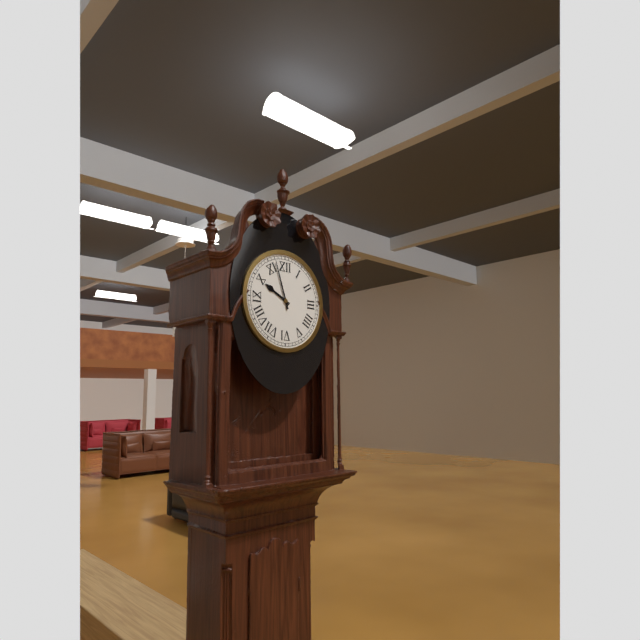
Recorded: h=9 m=57
